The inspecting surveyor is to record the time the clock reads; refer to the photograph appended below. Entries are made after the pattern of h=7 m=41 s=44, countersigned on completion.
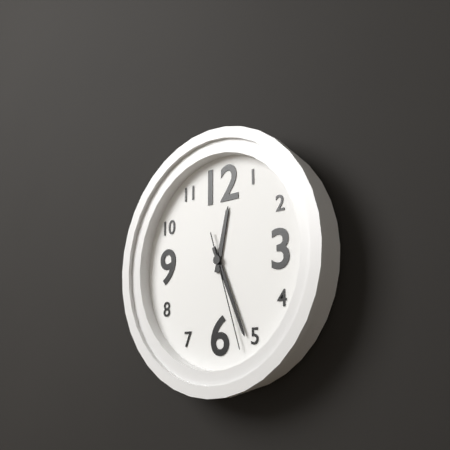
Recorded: h=12 m=26 s=27
